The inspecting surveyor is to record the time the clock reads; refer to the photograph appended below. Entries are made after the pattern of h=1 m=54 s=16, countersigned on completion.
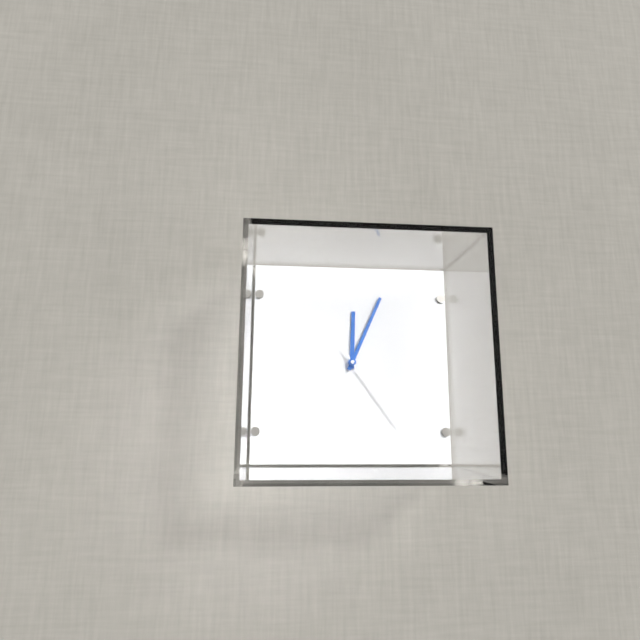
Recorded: h=12 m=4 s=24
